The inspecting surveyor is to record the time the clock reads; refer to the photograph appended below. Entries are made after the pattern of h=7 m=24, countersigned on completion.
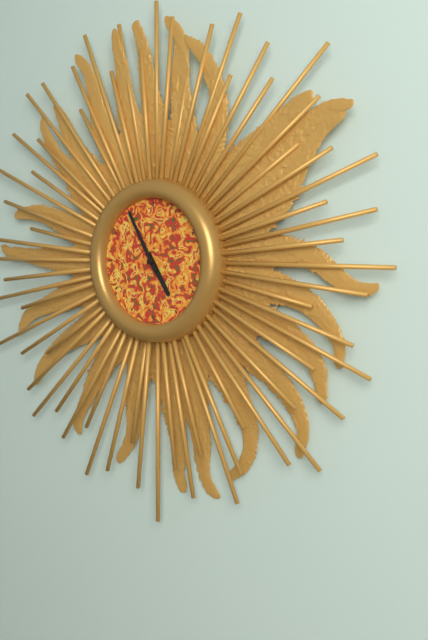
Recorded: h=4 m=55
